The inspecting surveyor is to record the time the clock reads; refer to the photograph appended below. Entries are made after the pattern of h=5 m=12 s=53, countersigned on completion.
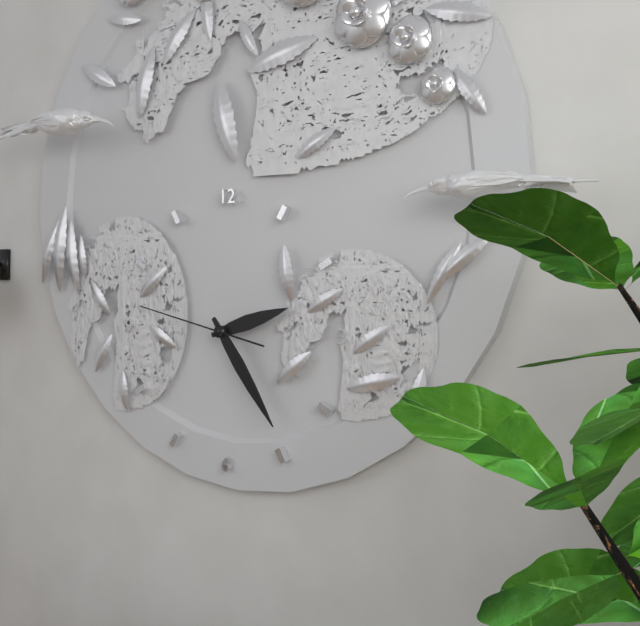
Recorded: h=2 m=24 s=47
